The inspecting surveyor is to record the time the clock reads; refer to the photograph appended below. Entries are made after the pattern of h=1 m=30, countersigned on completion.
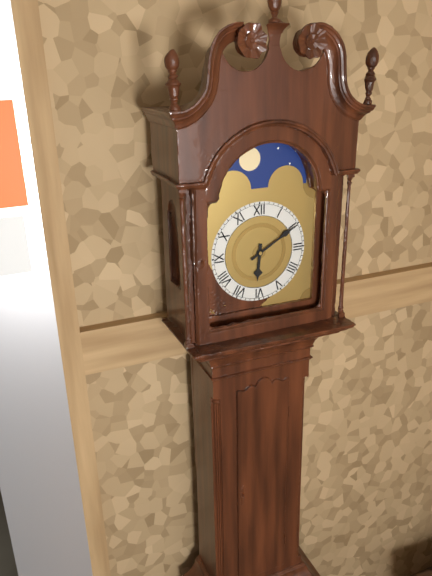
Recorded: h=6 m=10
